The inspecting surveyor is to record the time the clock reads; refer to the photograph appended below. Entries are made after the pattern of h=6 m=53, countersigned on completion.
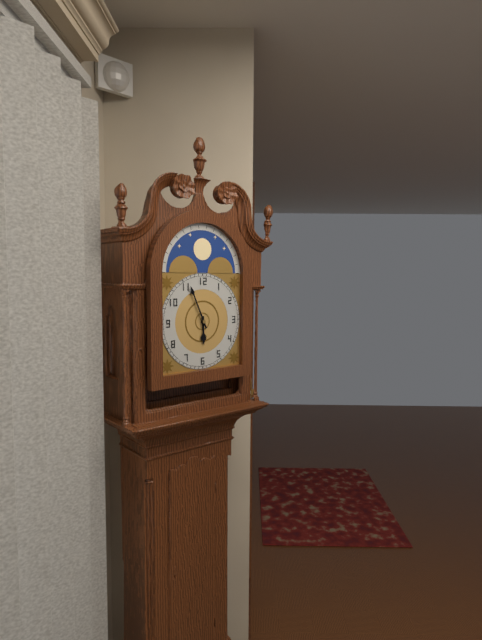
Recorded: h=5 m=56
